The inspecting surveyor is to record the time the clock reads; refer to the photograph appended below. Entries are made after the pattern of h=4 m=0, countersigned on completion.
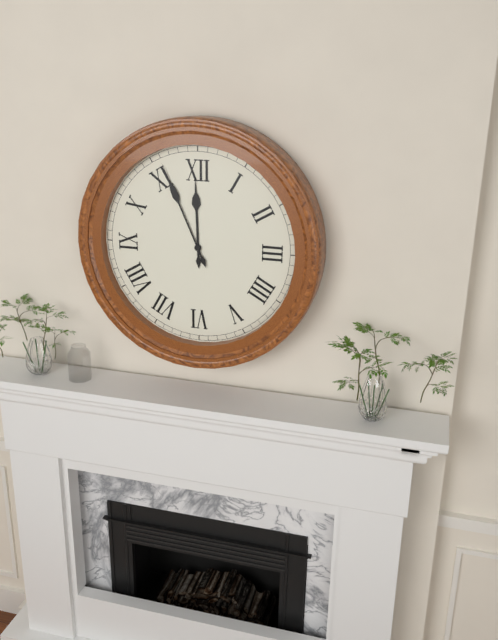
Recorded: h=11 m=56
